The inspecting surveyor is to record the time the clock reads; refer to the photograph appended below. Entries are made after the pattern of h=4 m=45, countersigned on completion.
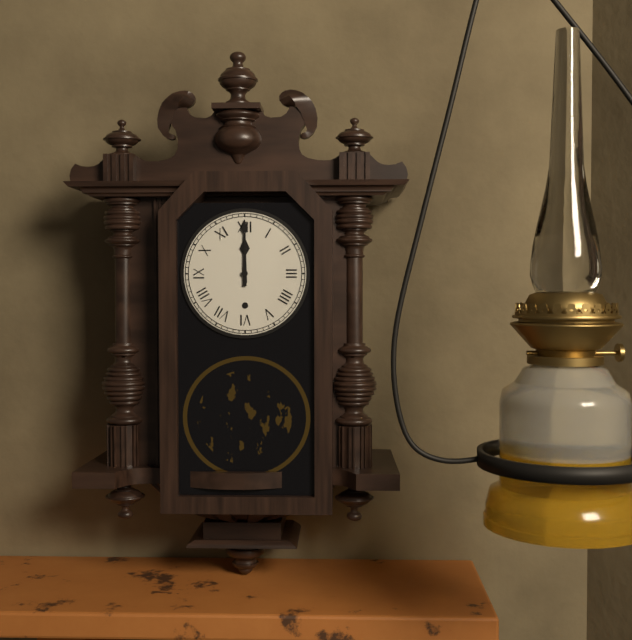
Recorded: h=12 m=0
